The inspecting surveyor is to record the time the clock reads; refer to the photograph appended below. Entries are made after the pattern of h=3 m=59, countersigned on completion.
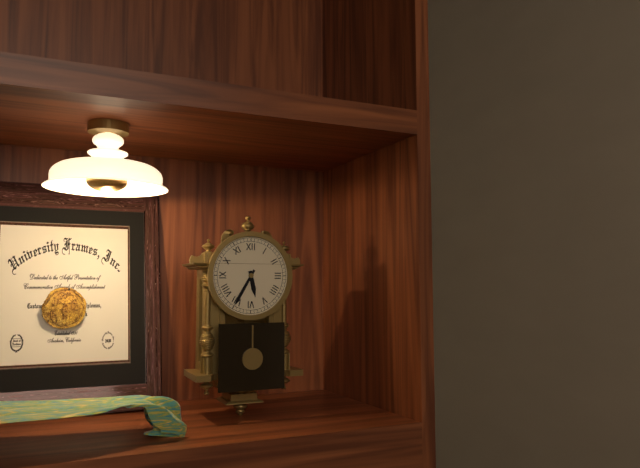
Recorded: h=5 m=35
